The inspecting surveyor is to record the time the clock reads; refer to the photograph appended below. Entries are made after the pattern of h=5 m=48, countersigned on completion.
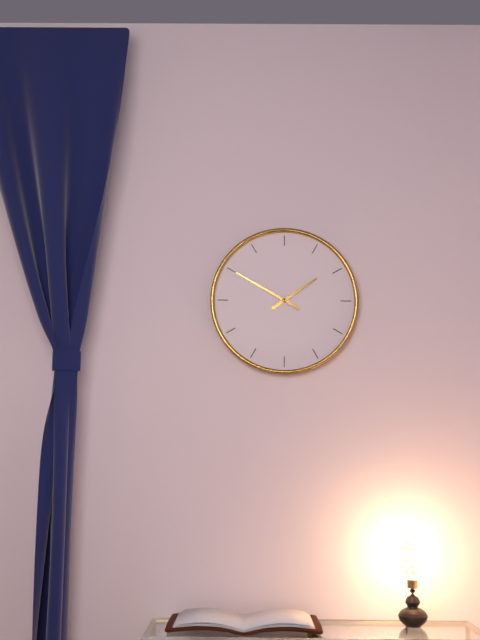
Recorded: h=1 m=50
